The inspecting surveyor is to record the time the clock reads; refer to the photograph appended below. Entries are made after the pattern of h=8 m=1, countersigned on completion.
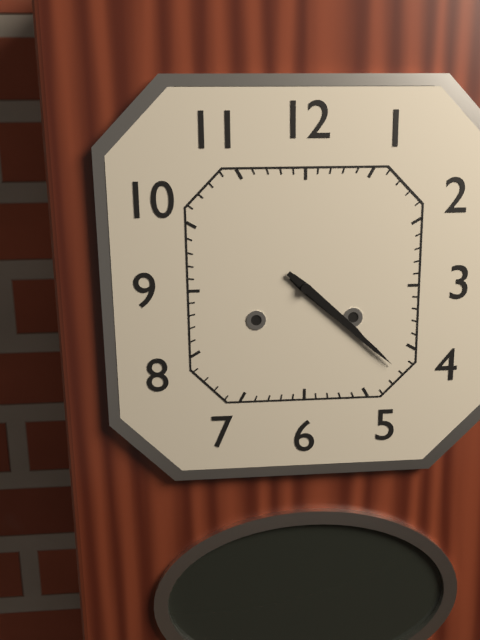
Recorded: h=4 m=22
